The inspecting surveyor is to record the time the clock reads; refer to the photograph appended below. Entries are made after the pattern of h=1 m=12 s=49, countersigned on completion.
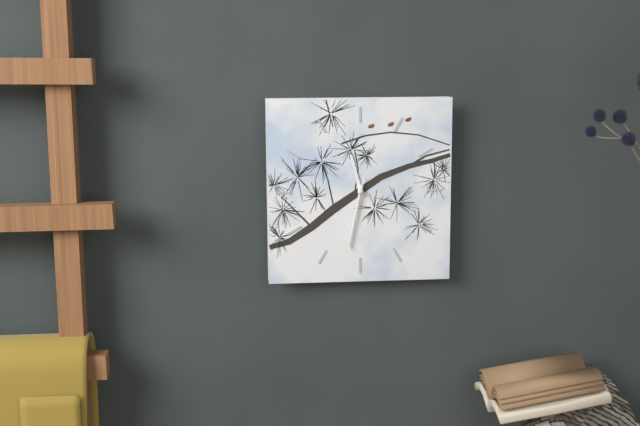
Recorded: h=11 m=32 s=32
